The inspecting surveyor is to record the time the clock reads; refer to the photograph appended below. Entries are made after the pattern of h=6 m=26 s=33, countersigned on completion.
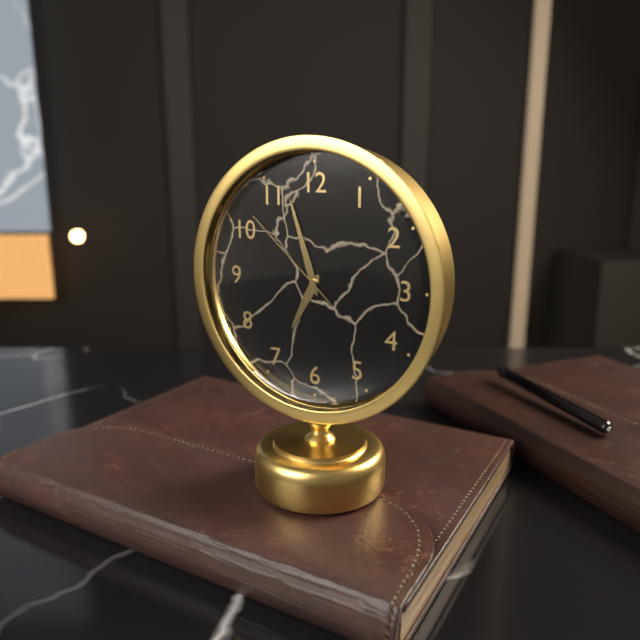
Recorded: h=6 m=57 s=52
